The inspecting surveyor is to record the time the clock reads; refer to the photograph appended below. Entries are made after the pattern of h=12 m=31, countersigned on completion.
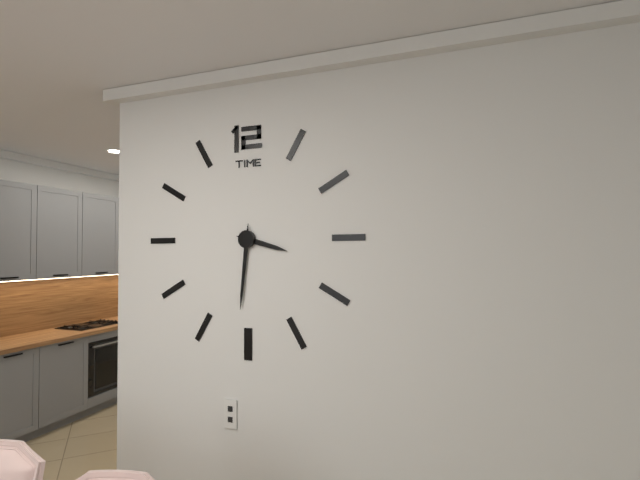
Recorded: h=3 m=31
